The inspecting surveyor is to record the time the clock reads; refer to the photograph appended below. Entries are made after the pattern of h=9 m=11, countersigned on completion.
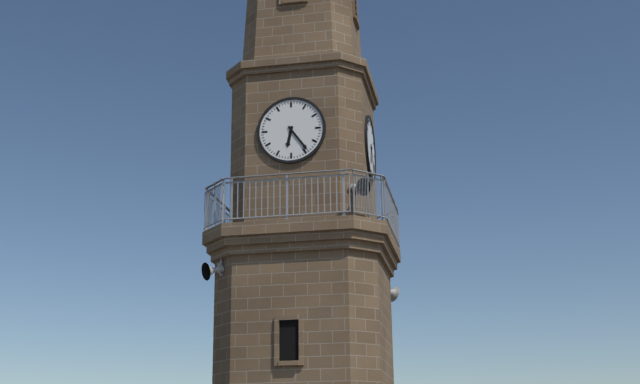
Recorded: h=6 m=24
